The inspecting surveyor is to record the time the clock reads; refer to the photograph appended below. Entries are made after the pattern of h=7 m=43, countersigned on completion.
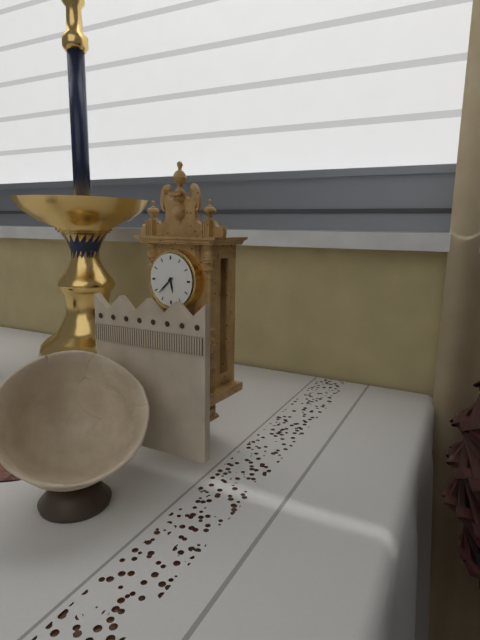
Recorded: h=5 m=38
